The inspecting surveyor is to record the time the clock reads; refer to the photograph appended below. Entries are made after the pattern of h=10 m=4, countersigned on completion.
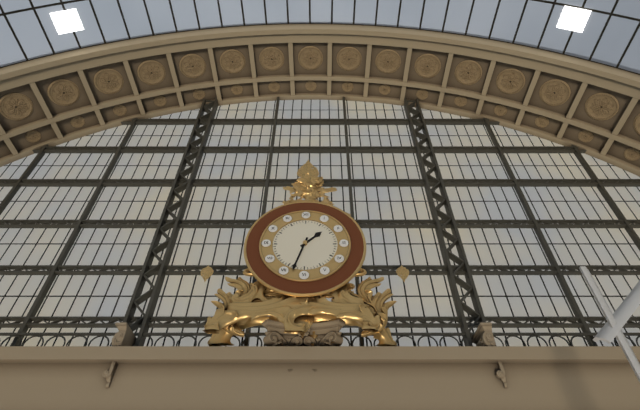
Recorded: h=1 m=33
